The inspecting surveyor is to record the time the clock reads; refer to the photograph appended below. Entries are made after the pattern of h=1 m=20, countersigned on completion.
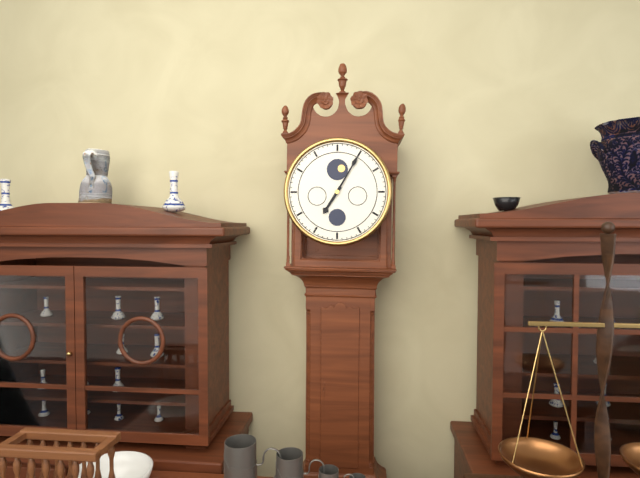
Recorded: h=7 m=5
